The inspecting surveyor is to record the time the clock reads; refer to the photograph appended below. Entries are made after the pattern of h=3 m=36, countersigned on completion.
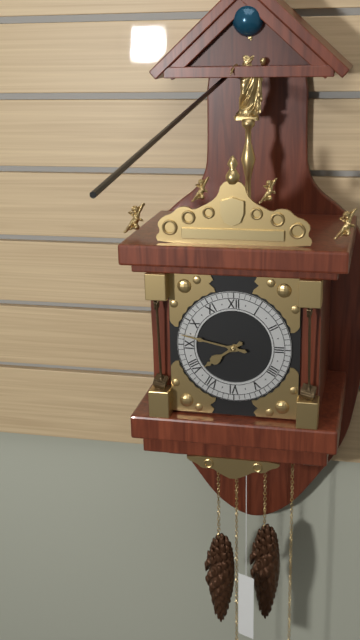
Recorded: h=7 m=47
